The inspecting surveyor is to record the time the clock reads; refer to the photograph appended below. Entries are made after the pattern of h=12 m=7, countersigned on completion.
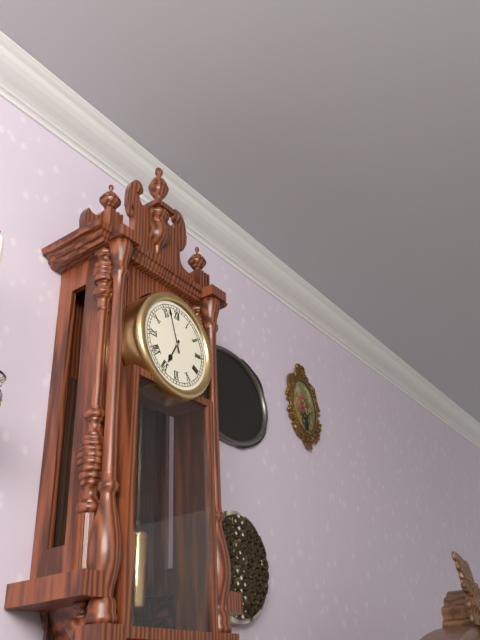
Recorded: h=6 m=57
